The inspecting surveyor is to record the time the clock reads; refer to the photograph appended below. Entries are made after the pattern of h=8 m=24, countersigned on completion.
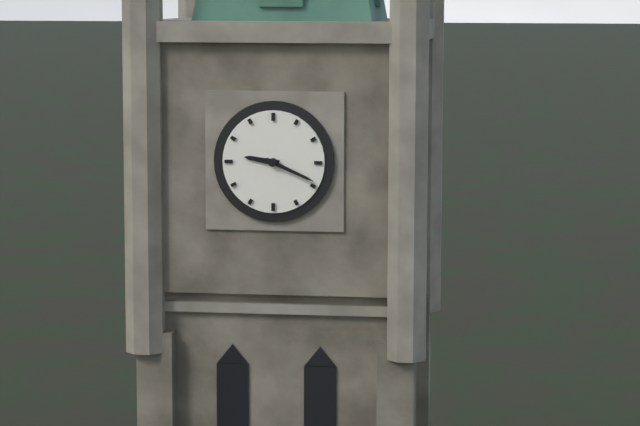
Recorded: h=9 m=19
